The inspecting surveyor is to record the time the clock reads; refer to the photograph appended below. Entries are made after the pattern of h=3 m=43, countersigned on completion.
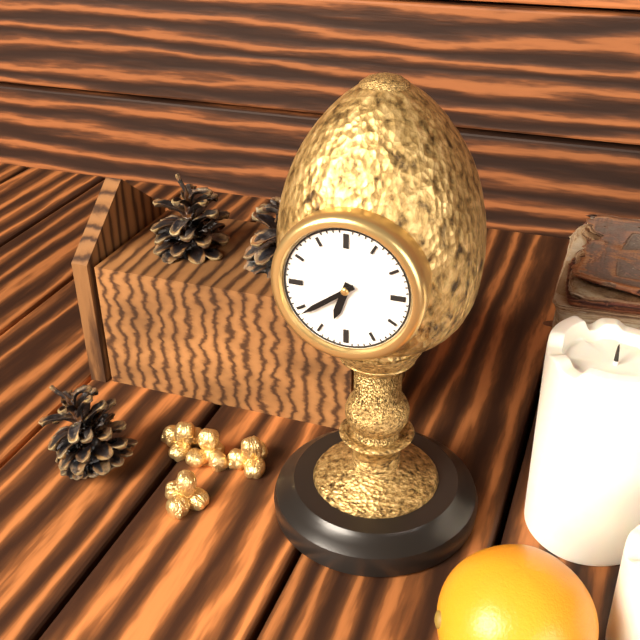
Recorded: h=6 m=39
